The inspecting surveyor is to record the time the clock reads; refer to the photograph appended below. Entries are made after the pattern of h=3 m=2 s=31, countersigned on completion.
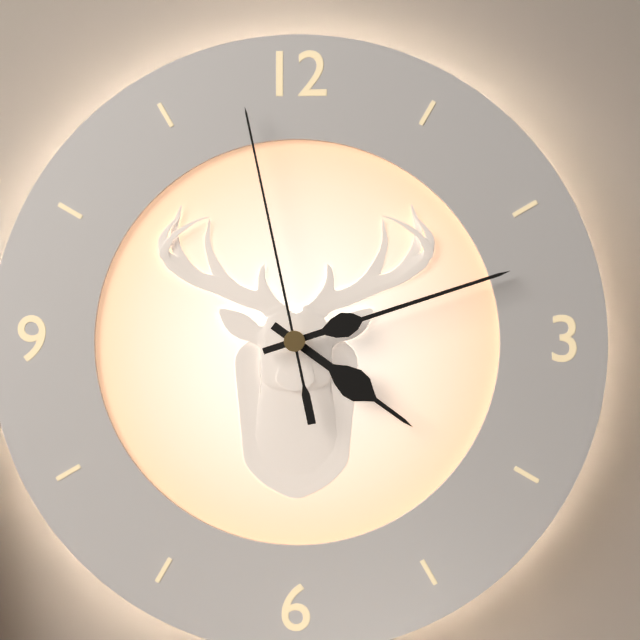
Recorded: h=4 m=12 s=58
